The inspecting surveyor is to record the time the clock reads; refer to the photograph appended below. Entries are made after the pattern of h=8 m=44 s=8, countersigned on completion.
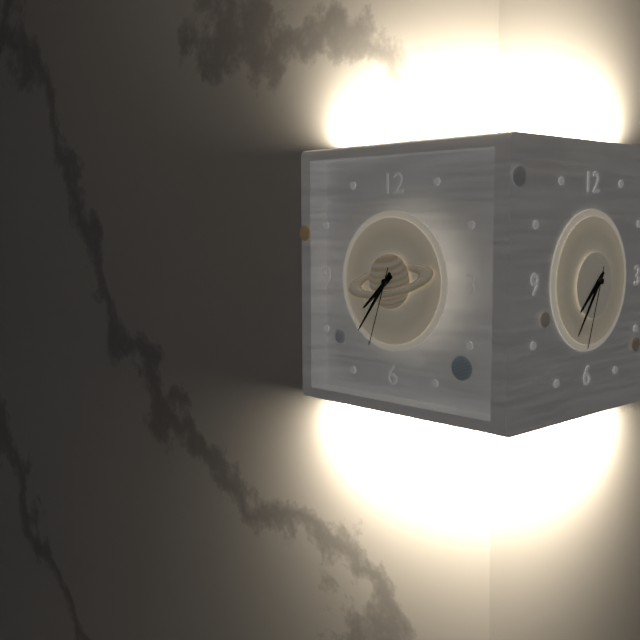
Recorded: h=7 m=36 s=33
